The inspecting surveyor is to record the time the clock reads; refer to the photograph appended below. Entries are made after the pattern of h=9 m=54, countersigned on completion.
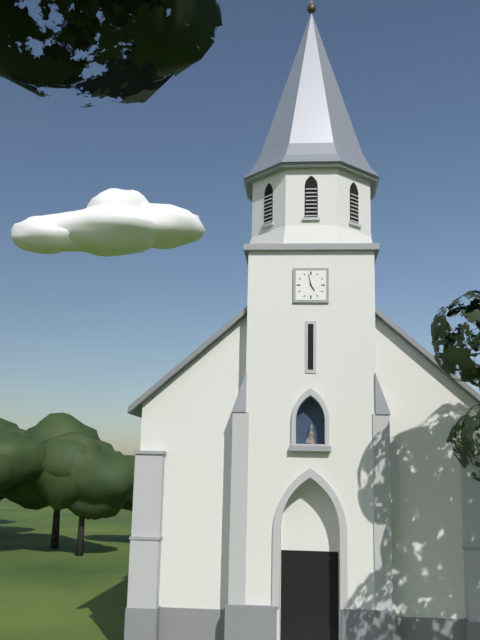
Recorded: h=4 m=58
